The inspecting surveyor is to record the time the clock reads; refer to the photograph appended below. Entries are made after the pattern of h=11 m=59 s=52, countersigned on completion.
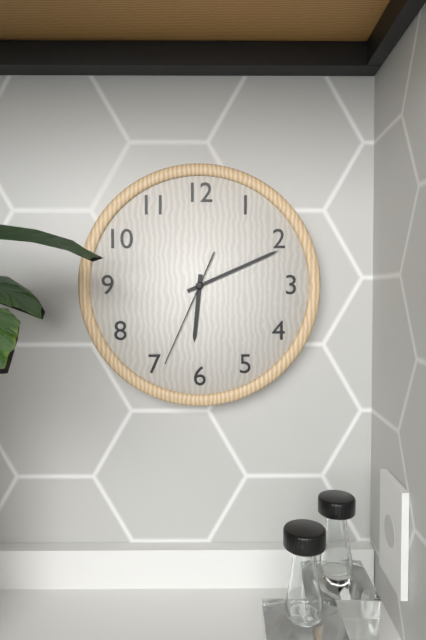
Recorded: h=6 m=11 s=34
